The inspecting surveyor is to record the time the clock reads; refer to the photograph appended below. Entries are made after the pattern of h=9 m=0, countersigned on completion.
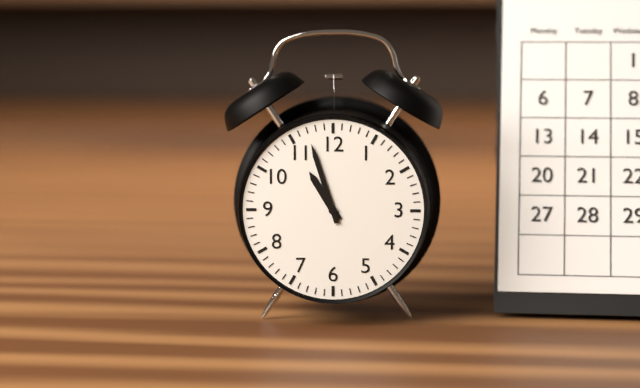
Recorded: h=10 m=57
